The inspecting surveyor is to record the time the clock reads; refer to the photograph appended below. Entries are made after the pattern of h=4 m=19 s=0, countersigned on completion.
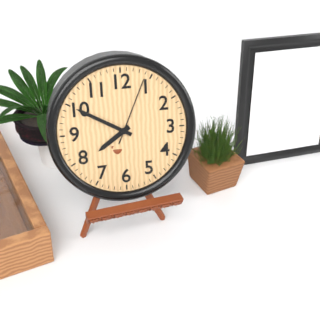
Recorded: h=7 m=50 s=4
